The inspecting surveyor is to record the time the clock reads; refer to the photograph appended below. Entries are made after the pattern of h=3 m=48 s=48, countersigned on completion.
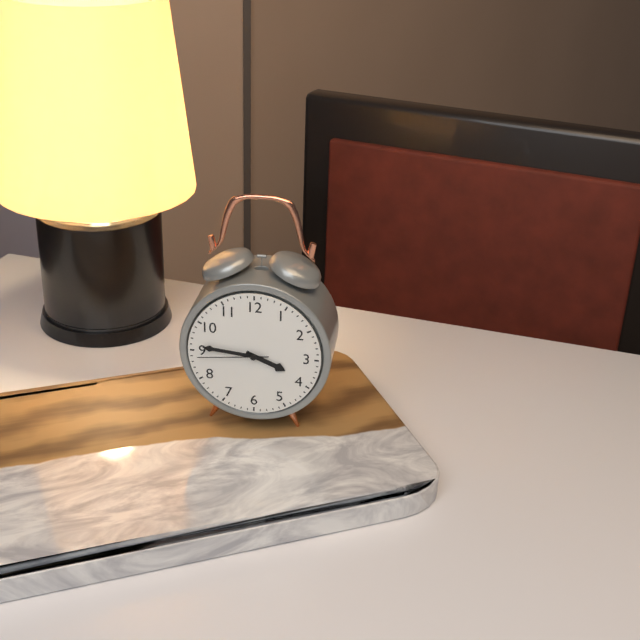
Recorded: h=3 m=46 s=44
